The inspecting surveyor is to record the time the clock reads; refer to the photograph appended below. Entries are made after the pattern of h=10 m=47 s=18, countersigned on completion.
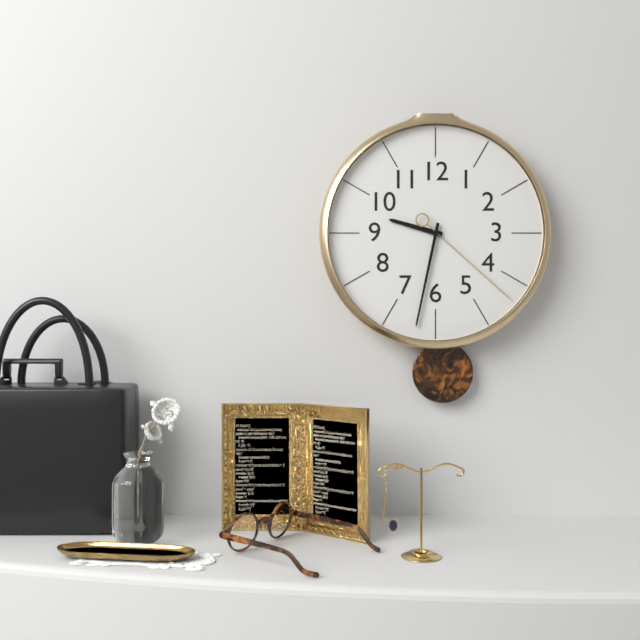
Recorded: h=9 m=32 s=22
